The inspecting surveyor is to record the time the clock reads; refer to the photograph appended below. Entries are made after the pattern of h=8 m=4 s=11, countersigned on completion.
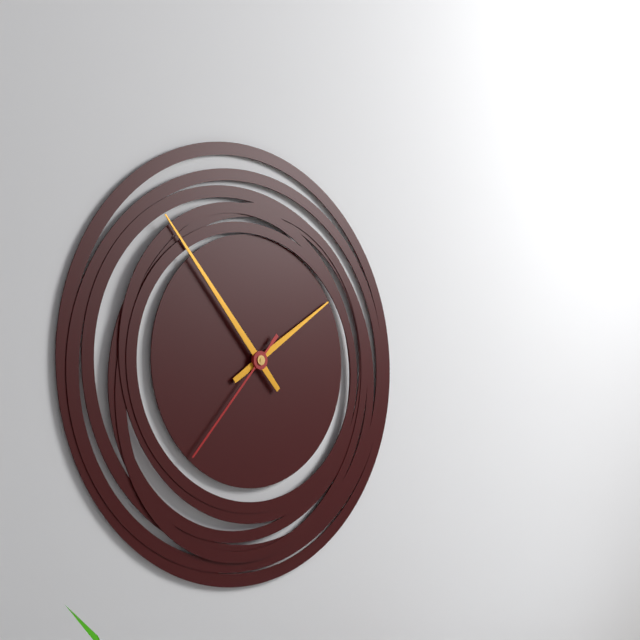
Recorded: h=1 m=53 s=37
